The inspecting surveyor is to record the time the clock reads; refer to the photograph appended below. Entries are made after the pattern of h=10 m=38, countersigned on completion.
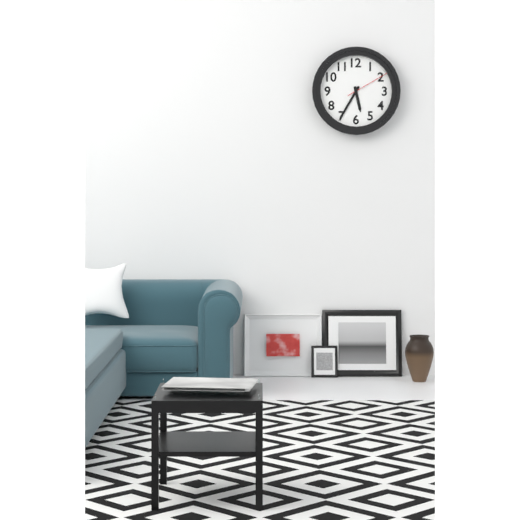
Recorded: h=5 m=35
